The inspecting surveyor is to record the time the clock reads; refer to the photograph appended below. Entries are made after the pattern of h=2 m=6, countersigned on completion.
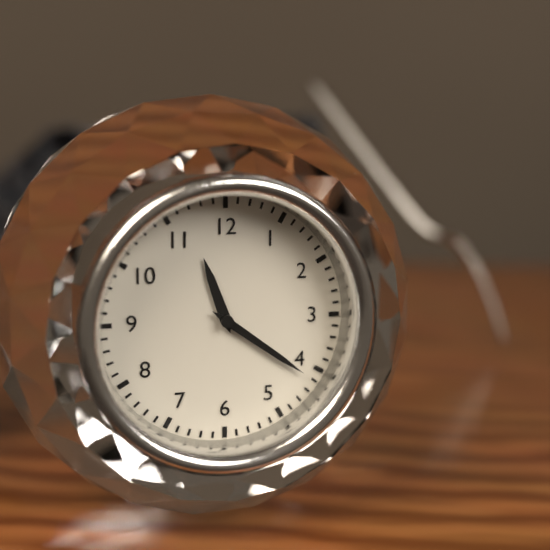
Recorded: h=11 m=21
